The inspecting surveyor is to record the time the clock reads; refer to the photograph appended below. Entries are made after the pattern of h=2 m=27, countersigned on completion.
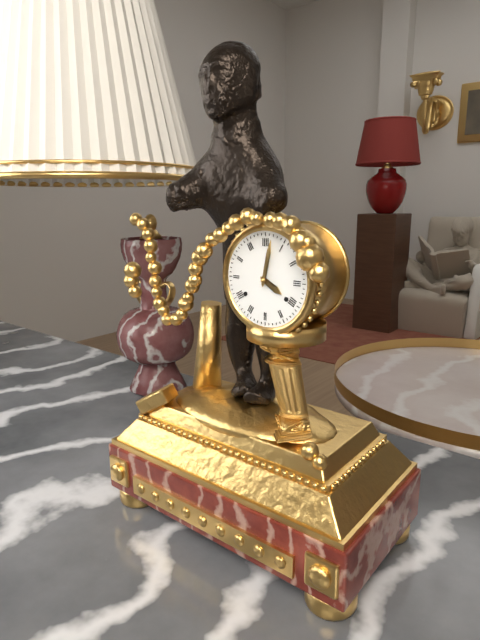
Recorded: h=4 m=2
